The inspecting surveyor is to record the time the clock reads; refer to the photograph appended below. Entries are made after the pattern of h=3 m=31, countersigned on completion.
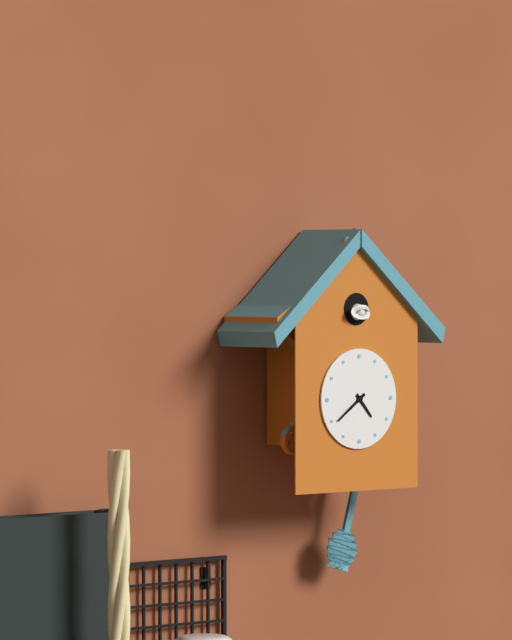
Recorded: h=4 m=39
